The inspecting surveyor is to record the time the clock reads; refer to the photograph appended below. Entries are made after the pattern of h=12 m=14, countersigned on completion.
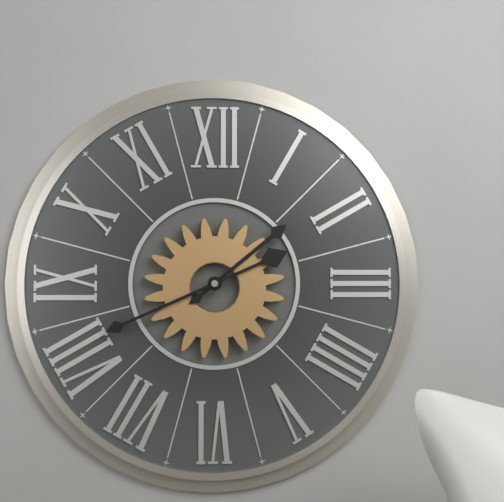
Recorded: h=1 m=41
